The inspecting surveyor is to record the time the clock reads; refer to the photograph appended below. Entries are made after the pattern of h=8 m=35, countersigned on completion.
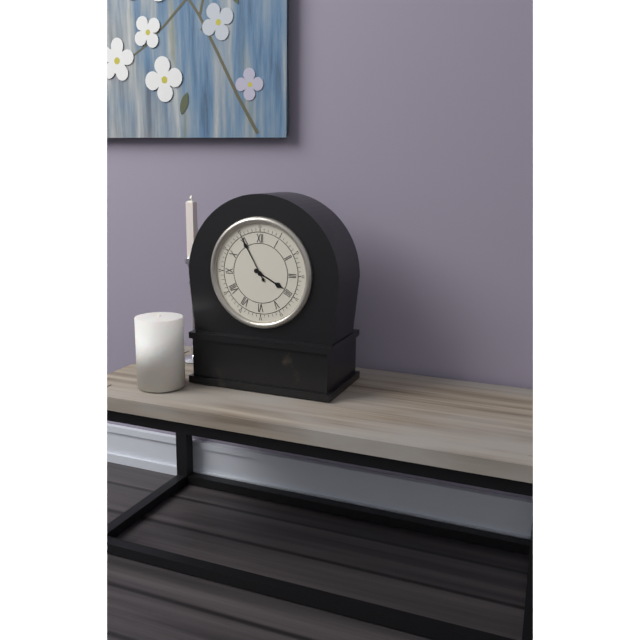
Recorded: h=3 m=55
